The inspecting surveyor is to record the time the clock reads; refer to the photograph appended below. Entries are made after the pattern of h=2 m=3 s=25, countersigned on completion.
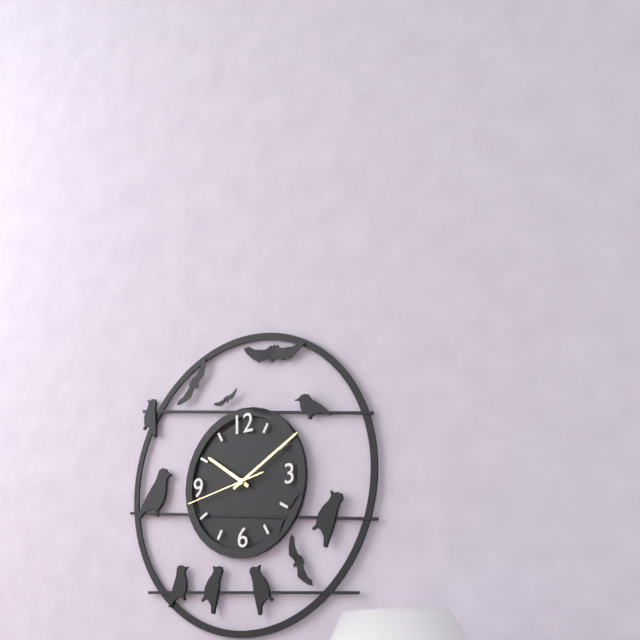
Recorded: h=10 m=10 s=43
